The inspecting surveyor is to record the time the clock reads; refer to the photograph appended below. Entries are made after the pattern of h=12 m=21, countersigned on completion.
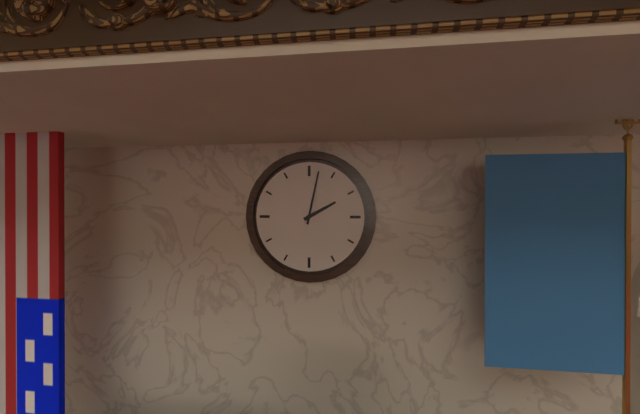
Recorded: h=2 m=2
